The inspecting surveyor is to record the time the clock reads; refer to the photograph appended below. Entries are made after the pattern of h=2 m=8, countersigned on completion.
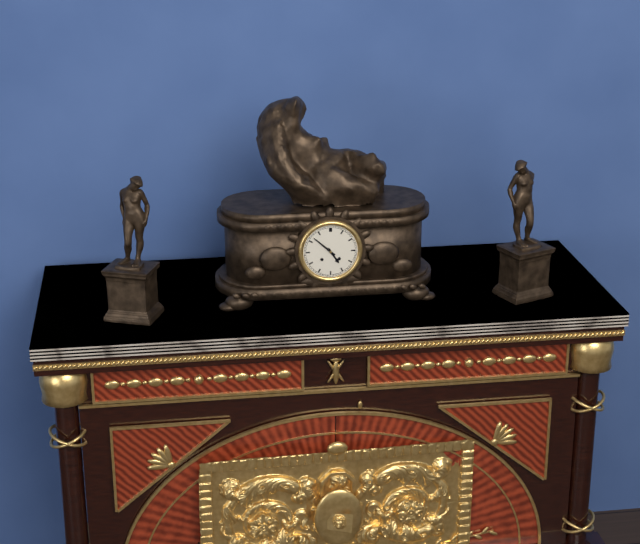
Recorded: h=4 m=52
